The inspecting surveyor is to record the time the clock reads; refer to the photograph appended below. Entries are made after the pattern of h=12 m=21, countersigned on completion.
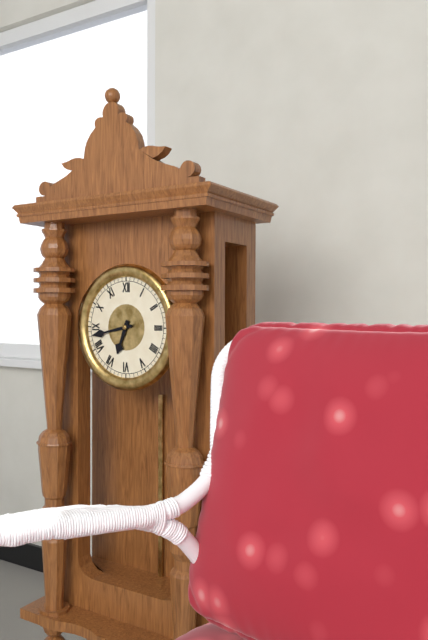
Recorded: h=6 m=43
